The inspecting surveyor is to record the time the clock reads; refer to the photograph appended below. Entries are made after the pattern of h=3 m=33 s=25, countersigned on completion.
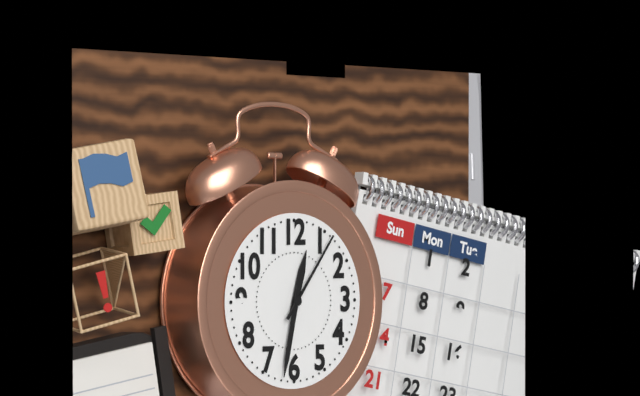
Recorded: h=12 m=32 s=6
